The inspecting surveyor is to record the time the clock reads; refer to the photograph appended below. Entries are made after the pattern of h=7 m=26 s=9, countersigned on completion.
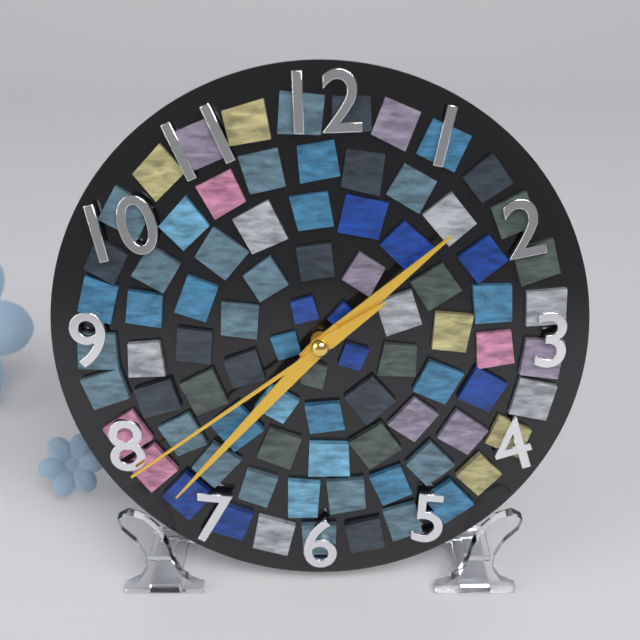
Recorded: h=1 m=37 s=39
